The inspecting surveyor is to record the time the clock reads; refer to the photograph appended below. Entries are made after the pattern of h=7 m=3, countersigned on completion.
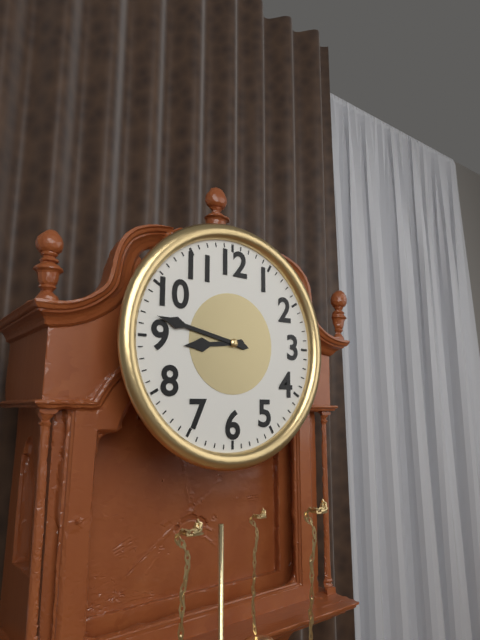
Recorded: h=8 m=47
